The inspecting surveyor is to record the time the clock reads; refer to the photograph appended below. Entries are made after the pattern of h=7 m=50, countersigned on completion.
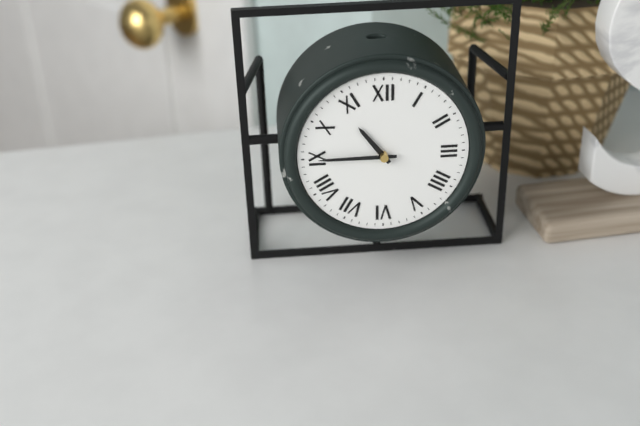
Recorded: h=10 m=45
